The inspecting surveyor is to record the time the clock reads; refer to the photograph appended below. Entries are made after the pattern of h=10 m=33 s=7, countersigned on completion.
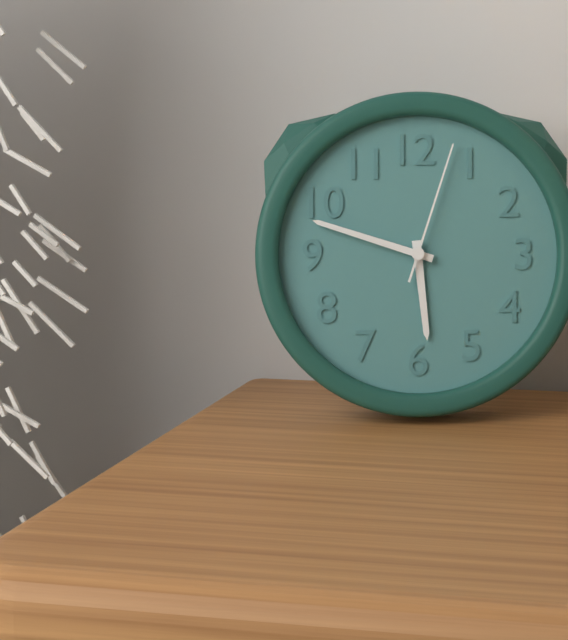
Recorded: h=5 m=48 s=3
